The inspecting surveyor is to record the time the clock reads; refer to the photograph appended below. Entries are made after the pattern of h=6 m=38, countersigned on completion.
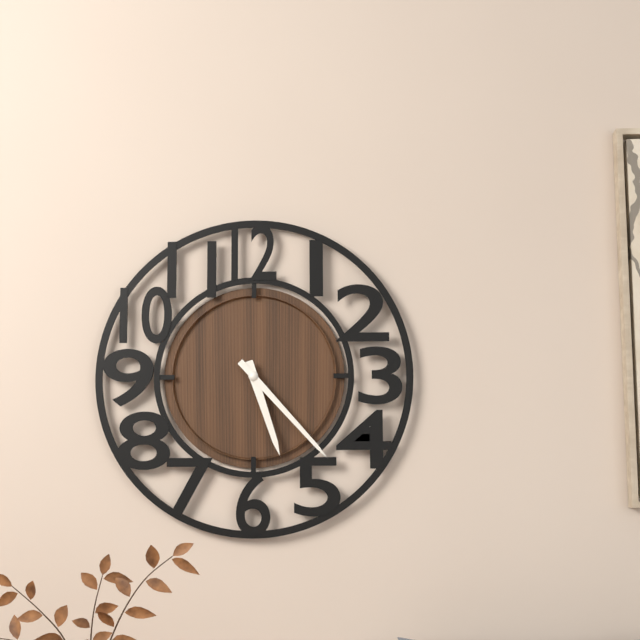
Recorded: h=5 m=23
